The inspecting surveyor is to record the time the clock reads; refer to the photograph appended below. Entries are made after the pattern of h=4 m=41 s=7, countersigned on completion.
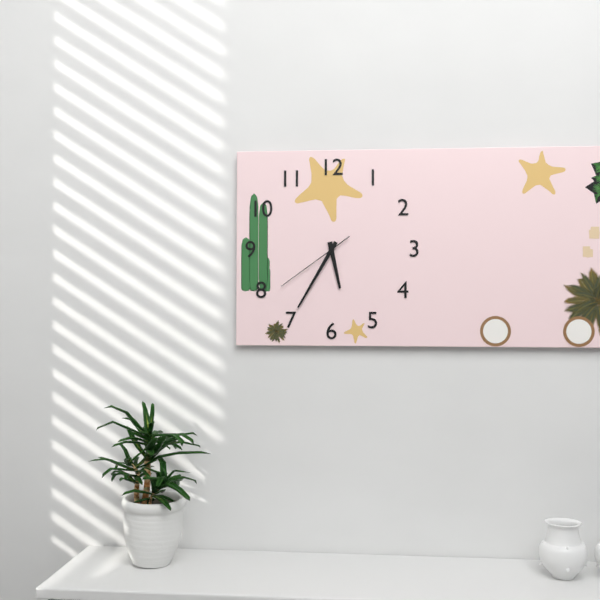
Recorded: h=5 m=35 s=39
